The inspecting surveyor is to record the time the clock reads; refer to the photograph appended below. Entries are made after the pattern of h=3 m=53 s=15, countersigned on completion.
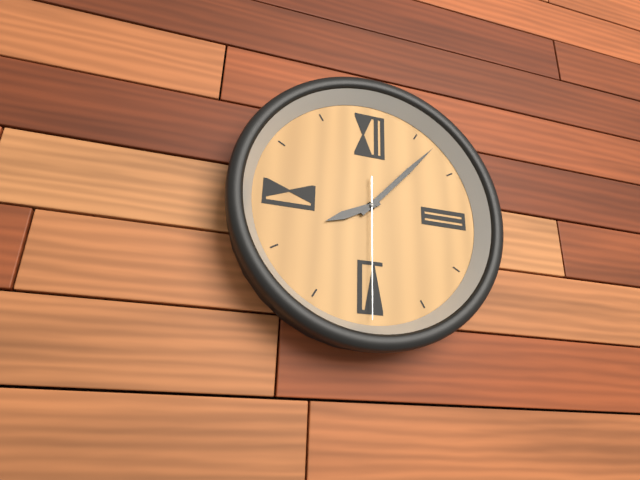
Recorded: h=8 m=7 s=30
